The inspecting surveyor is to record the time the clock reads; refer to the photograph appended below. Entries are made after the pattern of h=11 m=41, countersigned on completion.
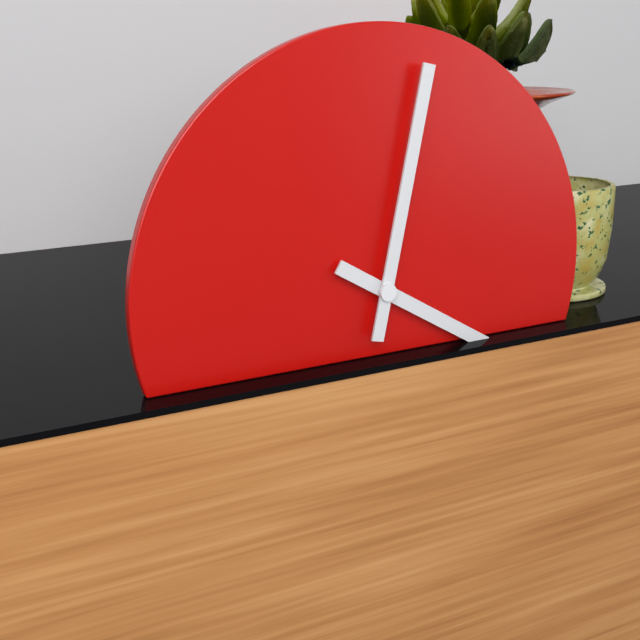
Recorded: h=4 m=2
